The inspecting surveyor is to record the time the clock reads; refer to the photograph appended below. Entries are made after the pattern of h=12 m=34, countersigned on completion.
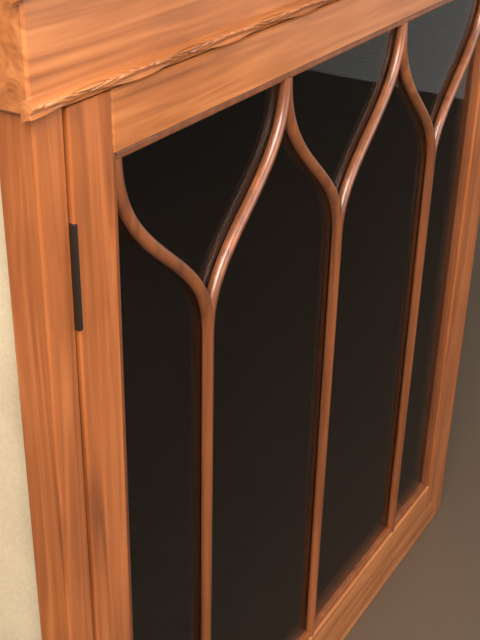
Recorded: h=7 m=0
